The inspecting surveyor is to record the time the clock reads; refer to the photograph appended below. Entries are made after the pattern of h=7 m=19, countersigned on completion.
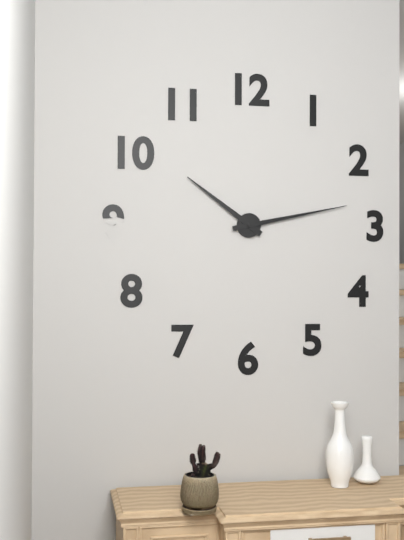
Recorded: h=10 m=13
